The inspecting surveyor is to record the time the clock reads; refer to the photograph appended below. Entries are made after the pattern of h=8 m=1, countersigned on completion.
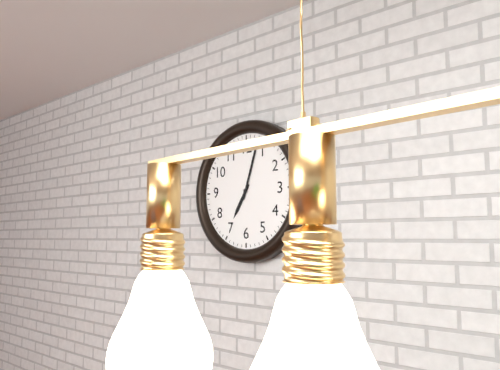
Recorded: h=7 m=3
